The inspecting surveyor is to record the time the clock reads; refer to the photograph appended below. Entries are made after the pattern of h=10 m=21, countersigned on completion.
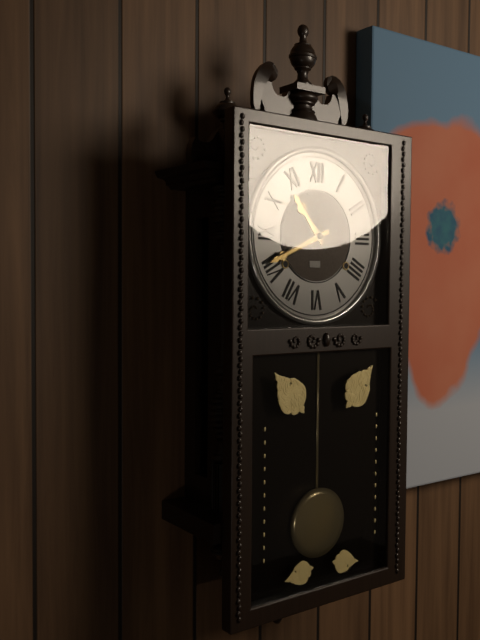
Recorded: h=10 m=41
